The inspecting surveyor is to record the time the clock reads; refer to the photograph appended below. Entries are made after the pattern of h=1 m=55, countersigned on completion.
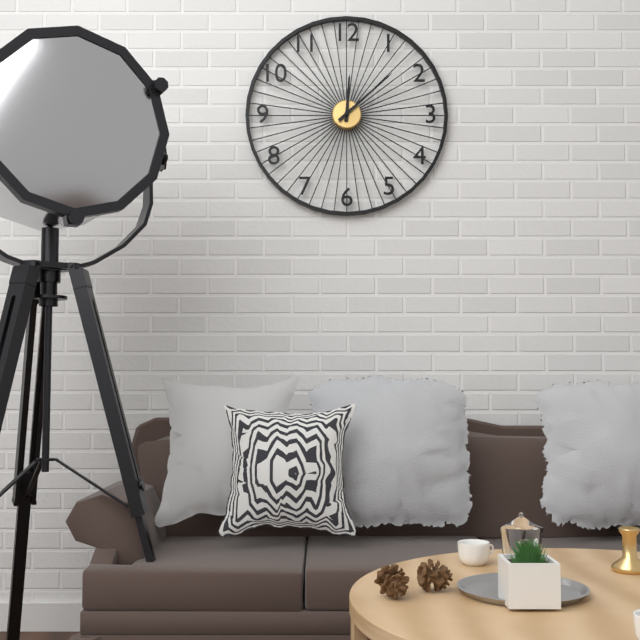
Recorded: h=12 m=8
